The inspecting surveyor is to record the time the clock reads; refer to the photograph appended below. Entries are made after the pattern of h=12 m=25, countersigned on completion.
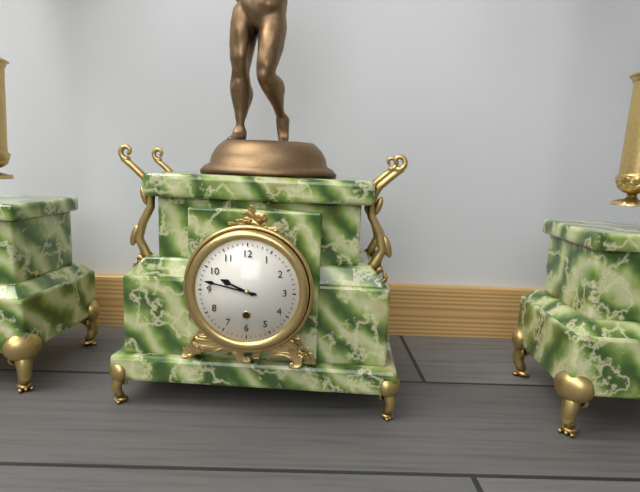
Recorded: h=9 m=47
